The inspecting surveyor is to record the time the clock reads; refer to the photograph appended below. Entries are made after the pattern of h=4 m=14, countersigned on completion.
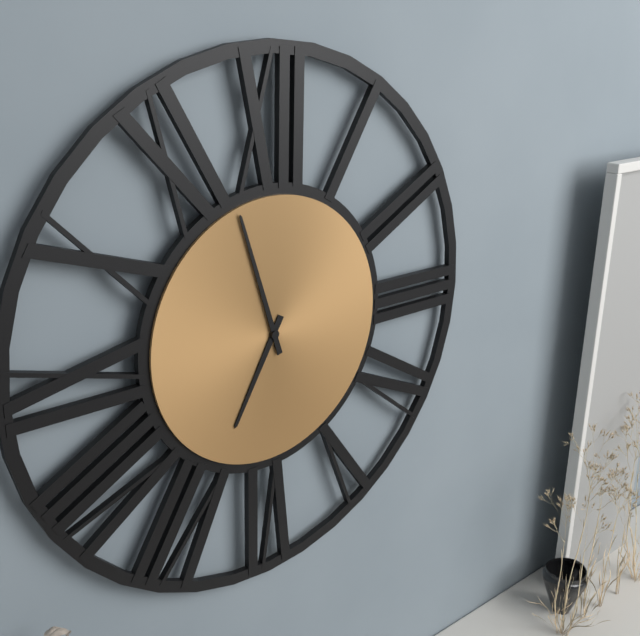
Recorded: h=6 m=57
